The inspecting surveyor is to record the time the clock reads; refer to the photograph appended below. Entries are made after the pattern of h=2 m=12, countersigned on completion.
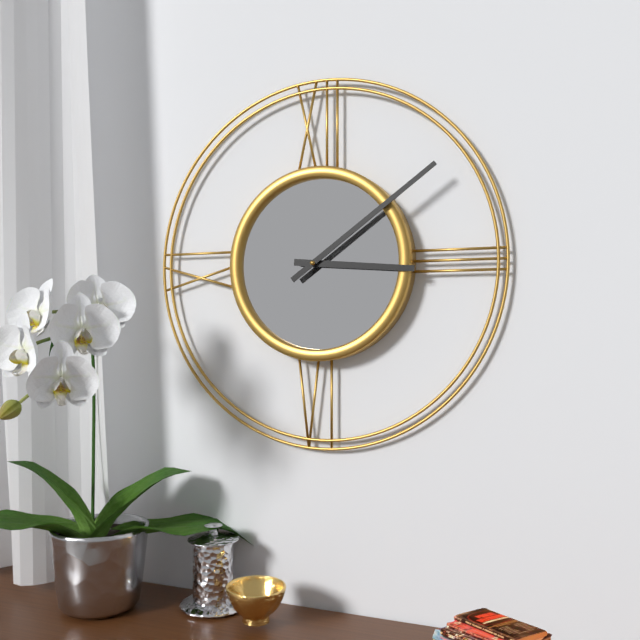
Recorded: h=3 m=9
